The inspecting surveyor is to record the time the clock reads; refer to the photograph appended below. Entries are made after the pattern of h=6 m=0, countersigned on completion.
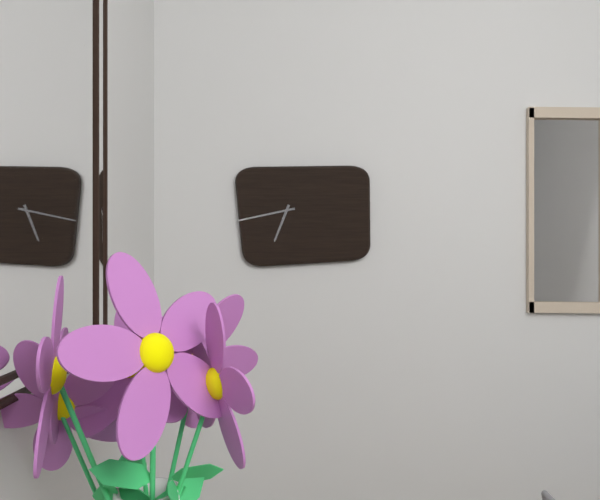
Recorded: h=6 m=43
